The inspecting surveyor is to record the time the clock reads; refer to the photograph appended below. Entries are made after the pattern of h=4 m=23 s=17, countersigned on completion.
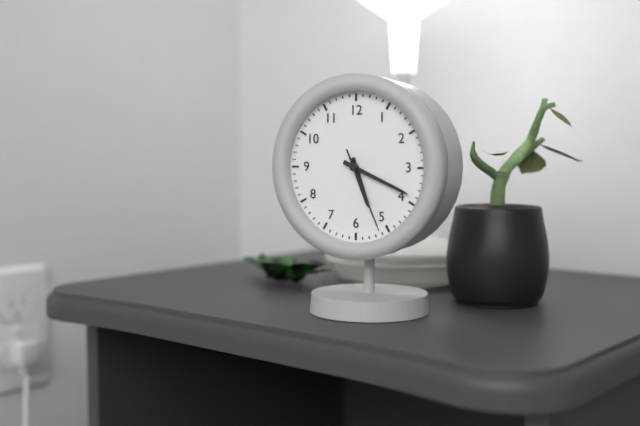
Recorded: h=5 m=19 s=26
